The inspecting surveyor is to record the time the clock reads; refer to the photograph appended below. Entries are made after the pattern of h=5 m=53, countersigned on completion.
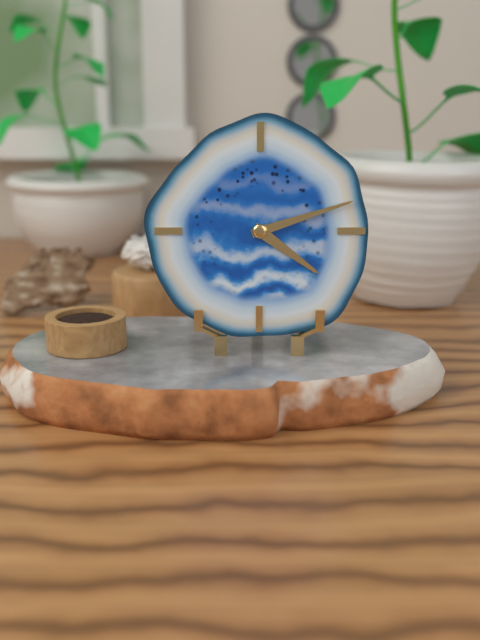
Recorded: h=4 m=12
